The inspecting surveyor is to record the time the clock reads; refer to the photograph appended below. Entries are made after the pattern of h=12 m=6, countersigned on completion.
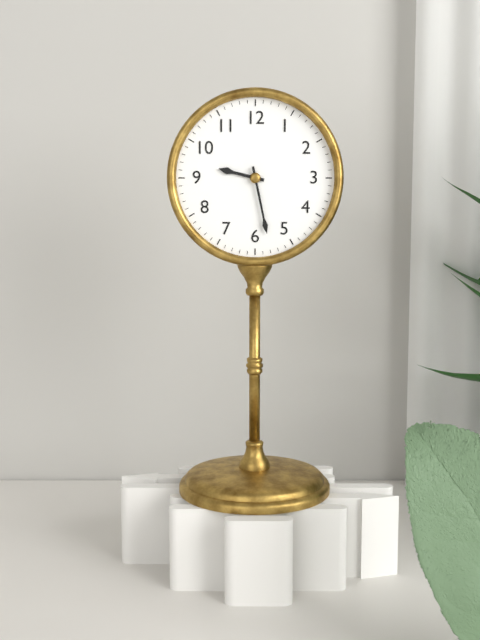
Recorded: h=9 m=28
